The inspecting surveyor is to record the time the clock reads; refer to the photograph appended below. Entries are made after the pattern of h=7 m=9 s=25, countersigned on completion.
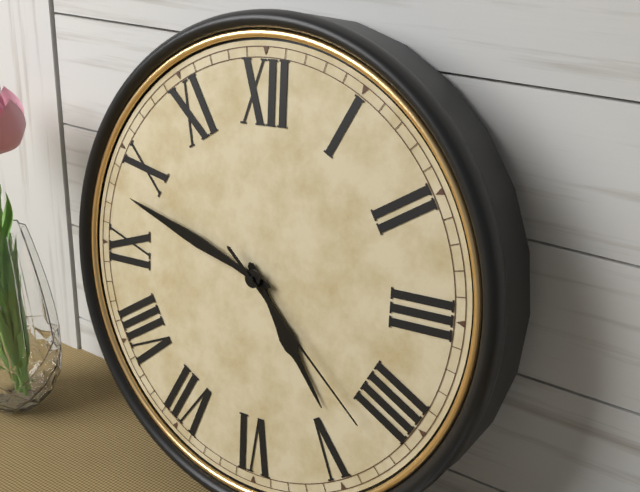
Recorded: h=4 m=48 s=22
